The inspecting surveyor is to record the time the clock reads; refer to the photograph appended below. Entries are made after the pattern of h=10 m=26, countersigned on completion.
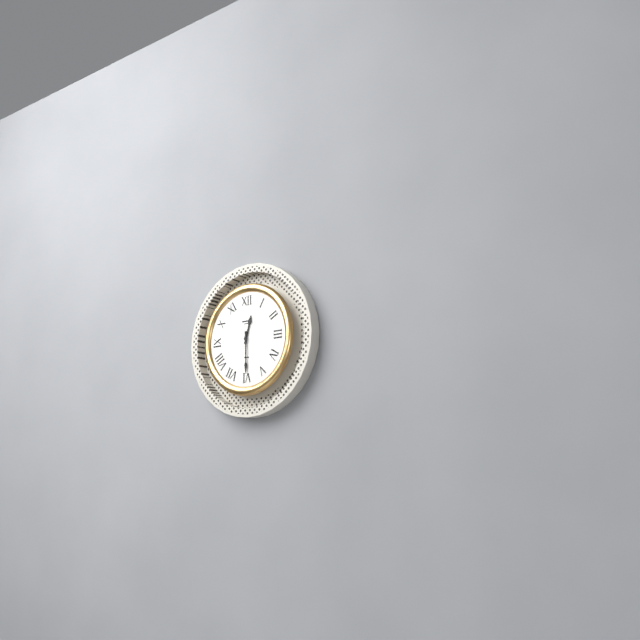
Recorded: h=12 m=30
